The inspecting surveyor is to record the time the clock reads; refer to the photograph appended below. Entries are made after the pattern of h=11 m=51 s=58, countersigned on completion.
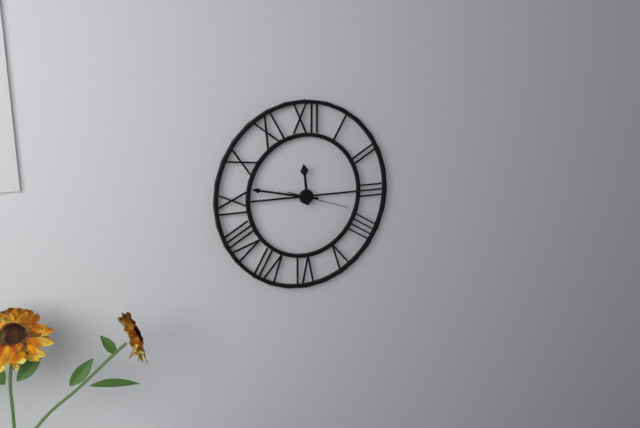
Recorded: h=11 m=47 s=18
